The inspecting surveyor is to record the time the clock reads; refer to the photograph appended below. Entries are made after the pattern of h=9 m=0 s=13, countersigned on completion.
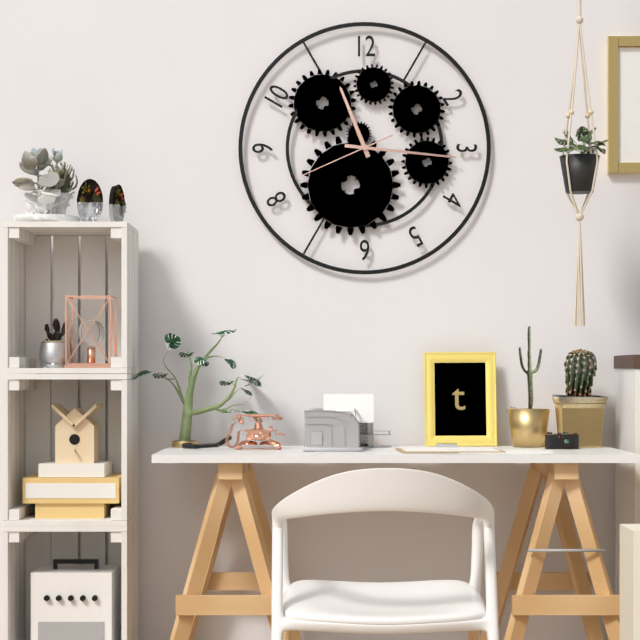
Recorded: h=11 m=16 s=41
